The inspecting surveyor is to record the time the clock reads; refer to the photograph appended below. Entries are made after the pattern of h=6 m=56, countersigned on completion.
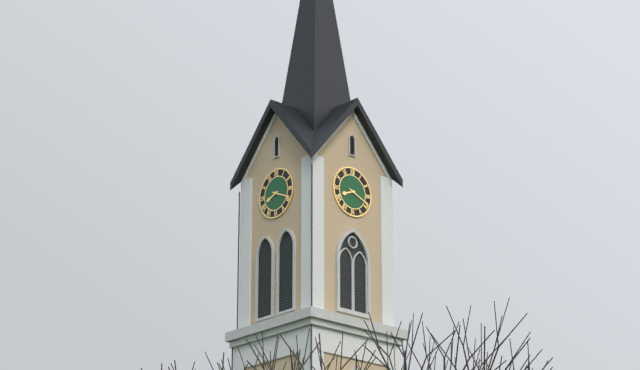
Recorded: h=8 m=19
